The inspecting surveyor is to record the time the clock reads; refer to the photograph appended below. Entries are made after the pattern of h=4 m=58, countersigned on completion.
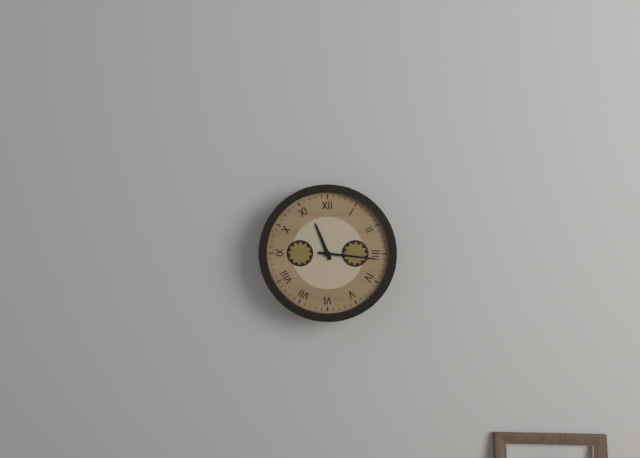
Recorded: h=11 m=16
